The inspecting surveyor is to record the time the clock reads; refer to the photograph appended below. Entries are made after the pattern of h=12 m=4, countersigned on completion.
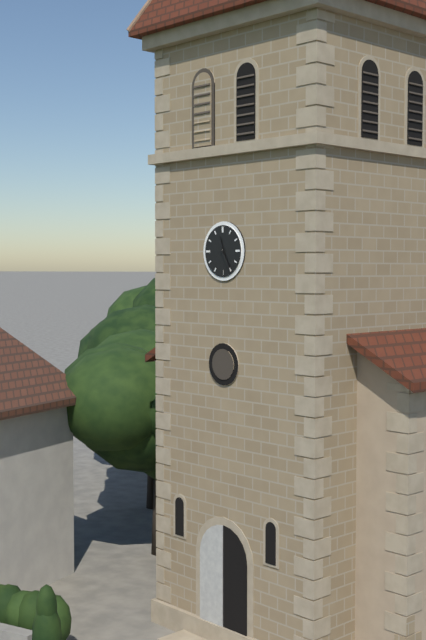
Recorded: h=11 m=25
